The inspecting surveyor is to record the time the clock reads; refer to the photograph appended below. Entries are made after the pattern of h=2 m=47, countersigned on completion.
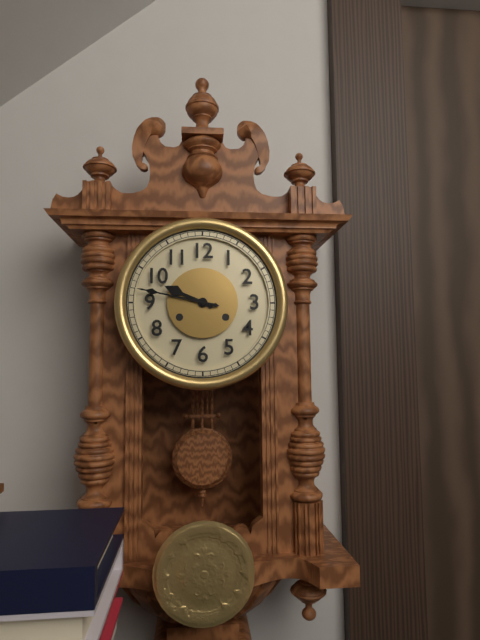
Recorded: h=9 m=47
